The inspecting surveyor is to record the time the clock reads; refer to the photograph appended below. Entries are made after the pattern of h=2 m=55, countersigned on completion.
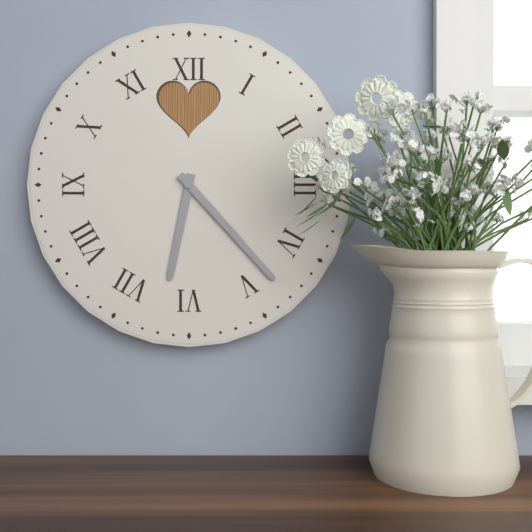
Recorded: h=6 m=23
